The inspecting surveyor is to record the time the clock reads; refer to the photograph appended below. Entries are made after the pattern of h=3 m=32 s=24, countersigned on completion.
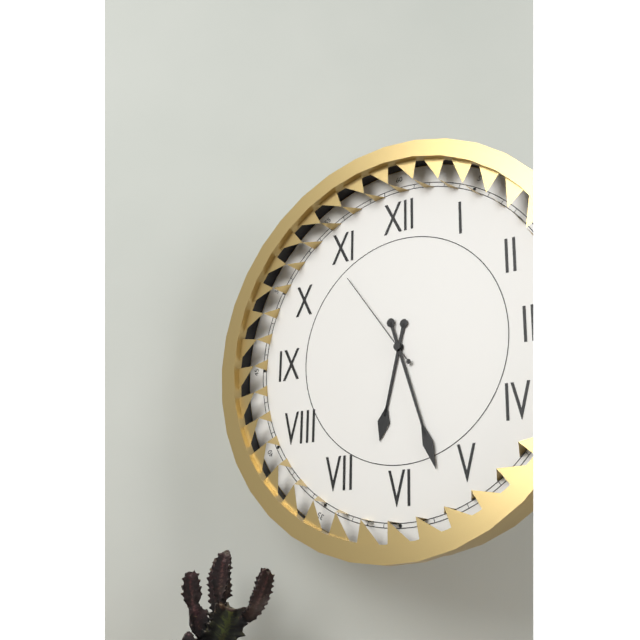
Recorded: h=6 m=27 s=54
